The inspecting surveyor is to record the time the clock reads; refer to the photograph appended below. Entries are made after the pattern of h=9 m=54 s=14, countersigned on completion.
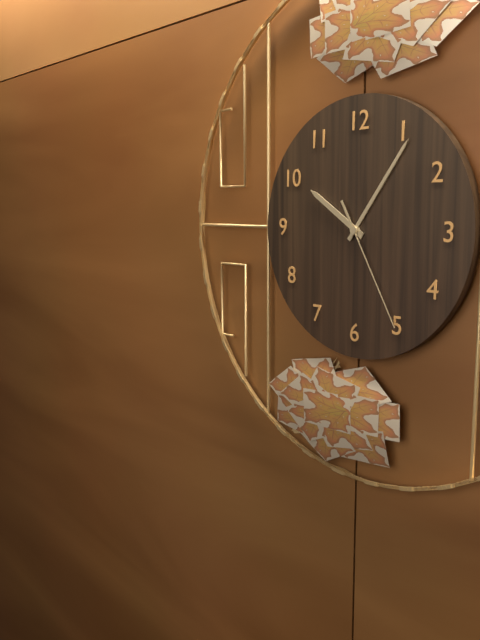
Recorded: h=10 m=6 s=25
